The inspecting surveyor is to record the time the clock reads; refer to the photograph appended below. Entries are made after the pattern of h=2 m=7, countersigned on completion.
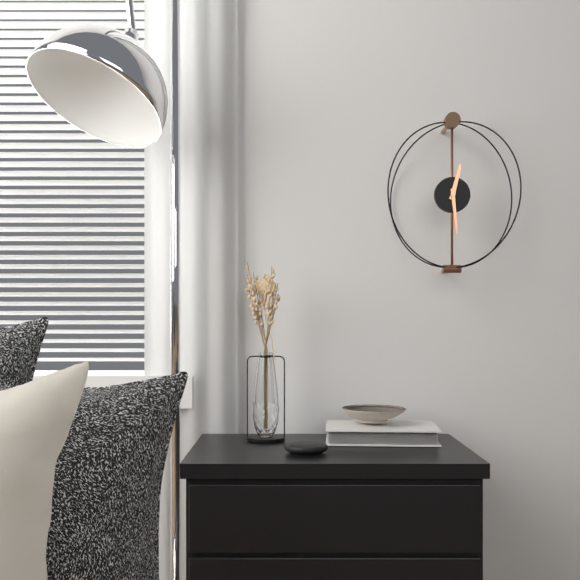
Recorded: h=12 m=29
